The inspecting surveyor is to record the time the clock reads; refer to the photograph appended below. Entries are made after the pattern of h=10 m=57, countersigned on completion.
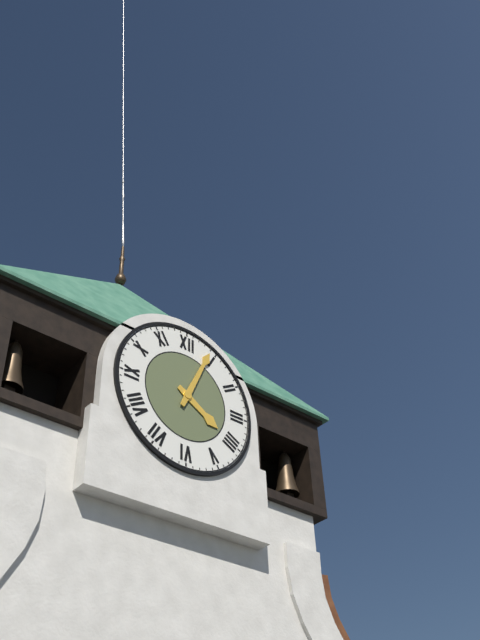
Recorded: h=4 m=4
